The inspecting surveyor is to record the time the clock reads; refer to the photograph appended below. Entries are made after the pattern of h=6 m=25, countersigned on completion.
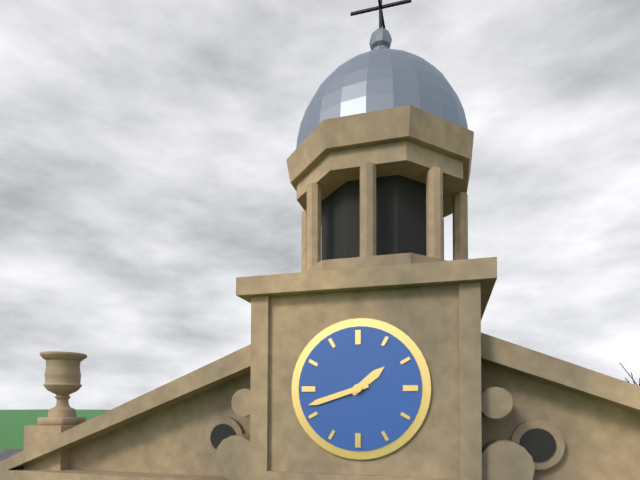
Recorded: h=1 m=42
